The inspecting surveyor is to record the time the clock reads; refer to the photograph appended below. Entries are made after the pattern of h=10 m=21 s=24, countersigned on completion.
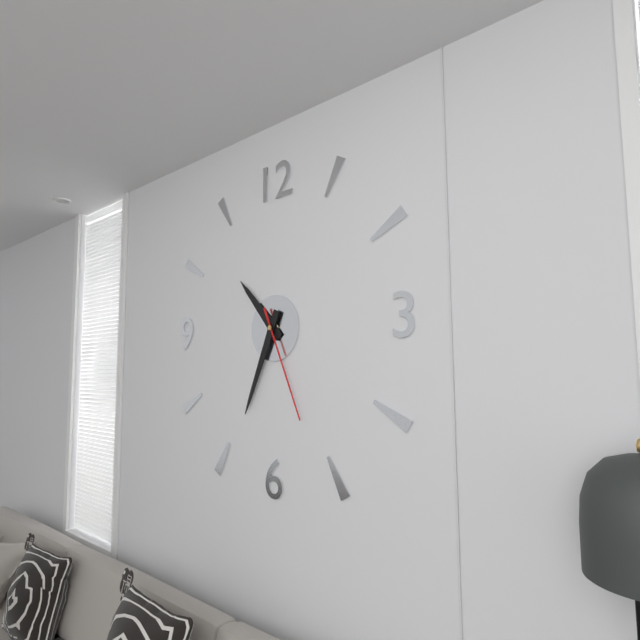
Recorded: h=10 m=34 s=26
